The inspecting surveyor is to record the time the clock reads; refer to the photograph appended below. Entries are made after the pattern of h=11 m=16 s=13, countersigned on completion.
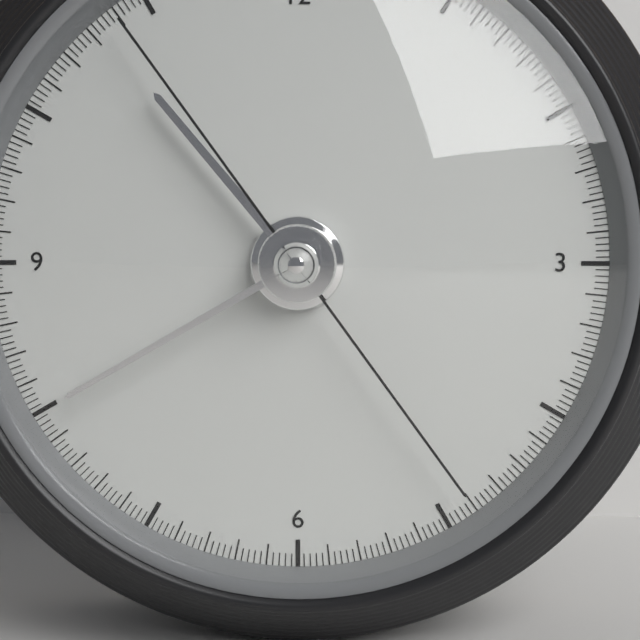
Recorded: h=10 m=40 s=24
